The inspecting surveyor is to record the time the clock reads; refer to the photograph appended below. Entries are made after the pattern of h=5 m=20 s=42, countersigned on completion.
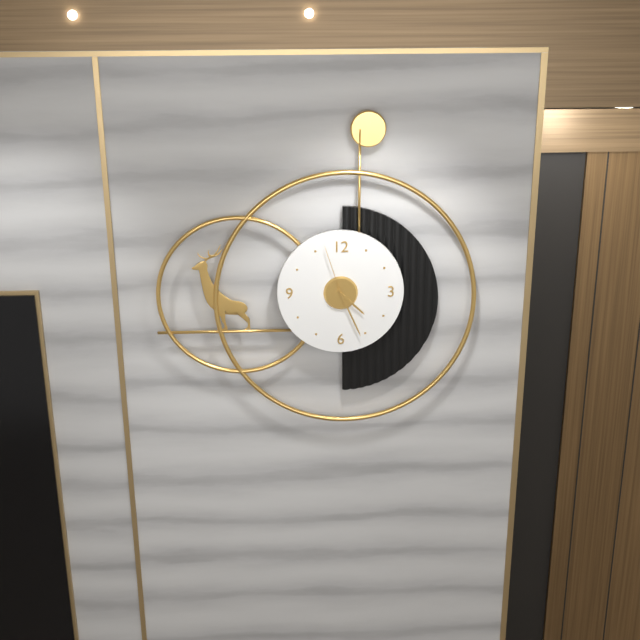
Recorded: h=4 m=26 s=57
